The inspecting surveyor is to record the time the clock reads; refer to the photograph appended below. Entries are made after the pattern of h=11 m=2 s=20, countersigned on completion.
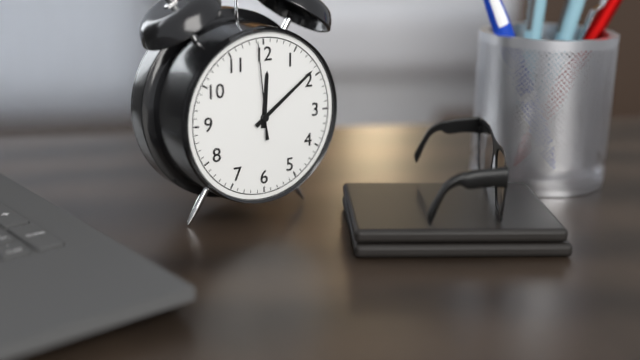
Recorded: h=12 m=9 s=59
